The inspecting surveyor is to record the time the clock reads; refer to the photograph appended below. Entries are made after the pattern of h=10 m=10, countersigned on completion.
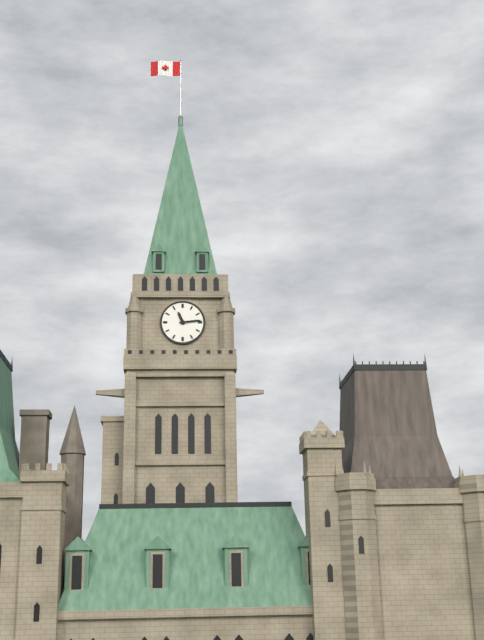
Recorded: h=11 m=14
